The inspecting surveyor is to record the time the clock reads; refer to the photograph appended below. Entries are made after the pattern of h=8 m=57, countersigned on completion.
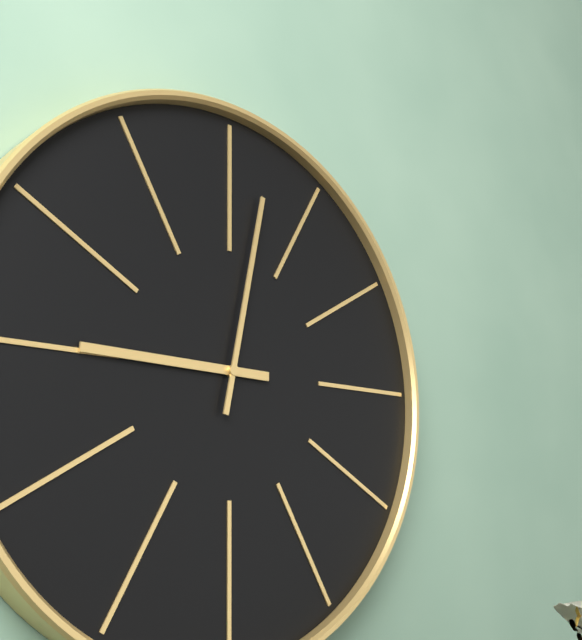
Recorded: h=9 m=2
